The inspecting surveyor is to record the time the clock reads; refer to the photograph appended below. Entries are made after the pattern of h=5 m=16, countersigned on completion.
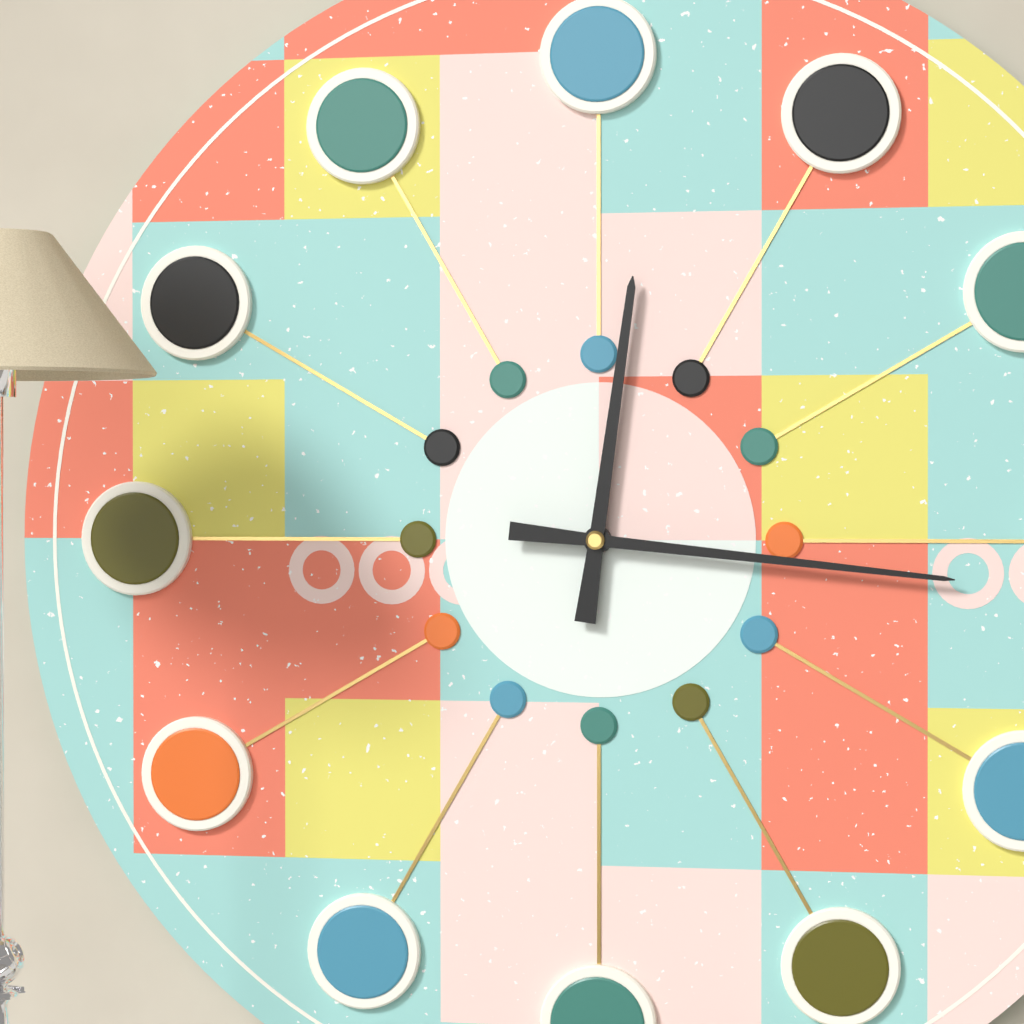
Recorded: h=12 m=16
